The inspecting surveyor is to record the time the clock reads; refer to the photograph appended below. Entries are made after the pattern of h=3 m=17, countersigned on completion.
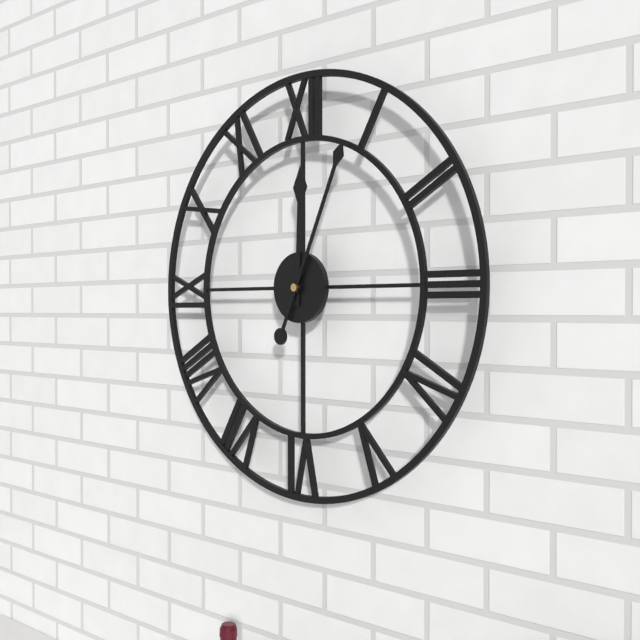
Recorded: h=12 m=4
